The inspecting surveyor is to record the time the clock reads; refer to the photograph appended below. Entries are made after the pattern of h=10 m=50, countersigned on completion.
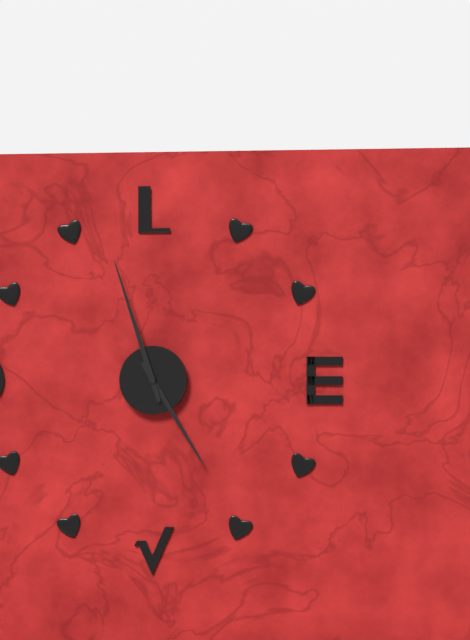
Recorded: h=4 m=57
